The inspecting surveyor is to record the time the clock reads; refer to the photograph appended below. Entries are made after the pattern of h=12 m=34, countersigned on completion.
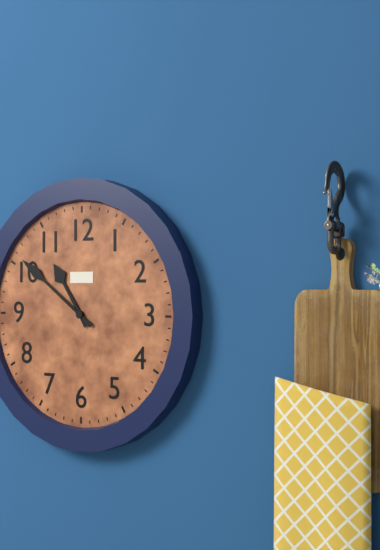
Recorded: h=10 m=51
